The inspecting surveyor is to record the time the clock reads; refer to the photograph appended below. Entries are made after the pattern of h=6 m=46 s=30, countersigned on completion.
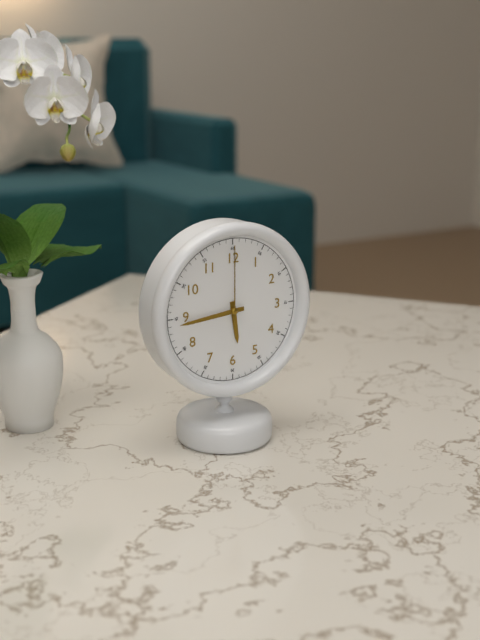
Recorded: h=5 m=44 s=0
